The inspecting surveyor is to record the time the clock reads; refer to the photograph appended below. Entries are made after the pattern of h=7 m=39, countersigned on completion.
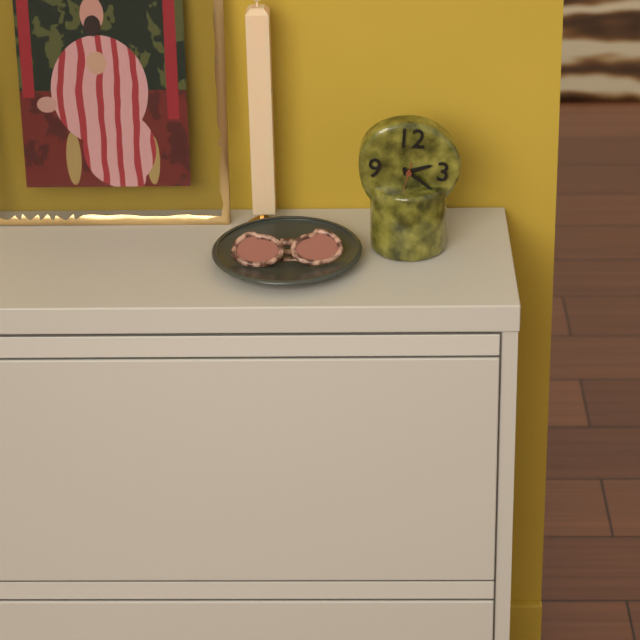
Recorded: h=2 m=21
